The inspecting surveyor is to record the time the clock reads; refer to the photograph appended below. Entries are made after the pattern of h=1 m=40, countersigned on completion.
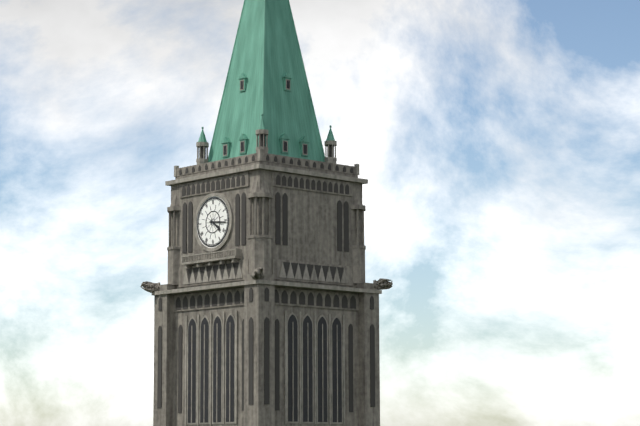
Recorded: h=4 m=16
